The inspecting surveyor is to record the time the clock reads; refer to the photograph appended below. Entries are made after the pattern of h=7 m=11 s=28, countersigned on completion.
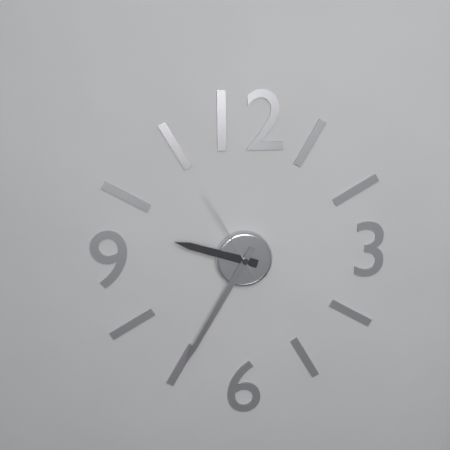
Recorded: h=9 m=35 s=55
